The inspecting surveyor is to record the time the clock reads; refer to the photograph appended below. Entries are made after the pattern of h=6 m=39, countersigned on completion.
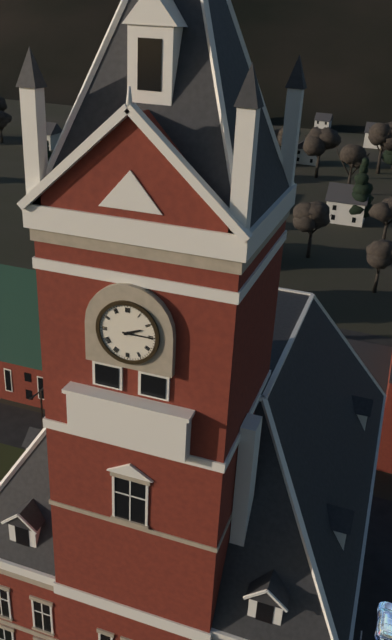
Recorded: h=2 m=15
